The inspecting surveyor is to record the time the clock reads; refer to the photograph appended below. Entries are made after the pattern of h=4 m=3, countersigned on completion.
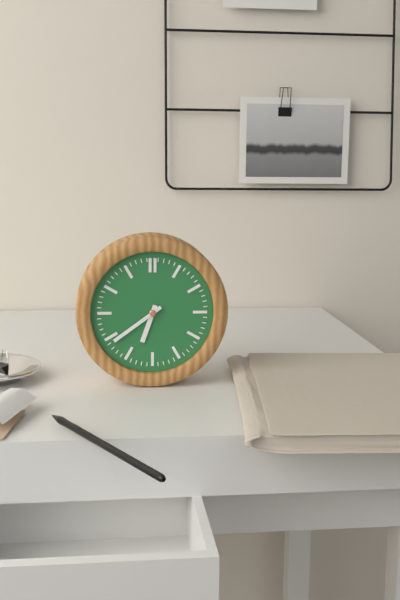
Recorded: h=6 m=39
